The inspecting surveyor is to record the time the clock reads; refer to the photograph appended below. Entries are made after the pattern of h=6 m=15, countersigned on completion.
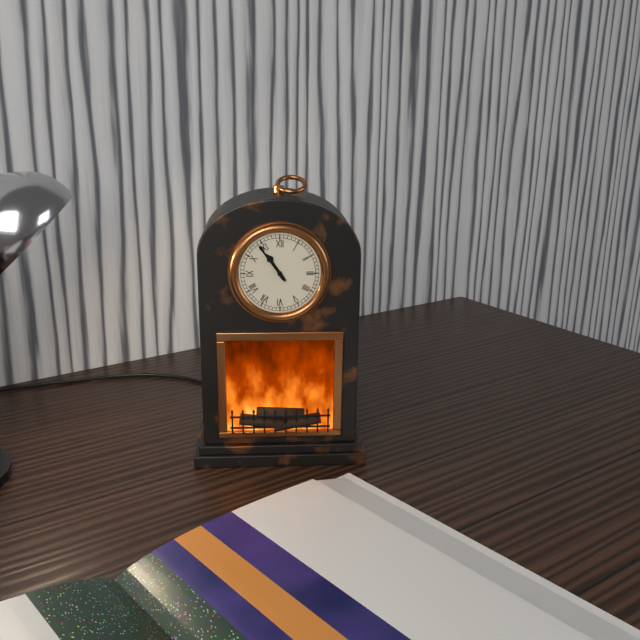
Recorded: h=10 m=54
